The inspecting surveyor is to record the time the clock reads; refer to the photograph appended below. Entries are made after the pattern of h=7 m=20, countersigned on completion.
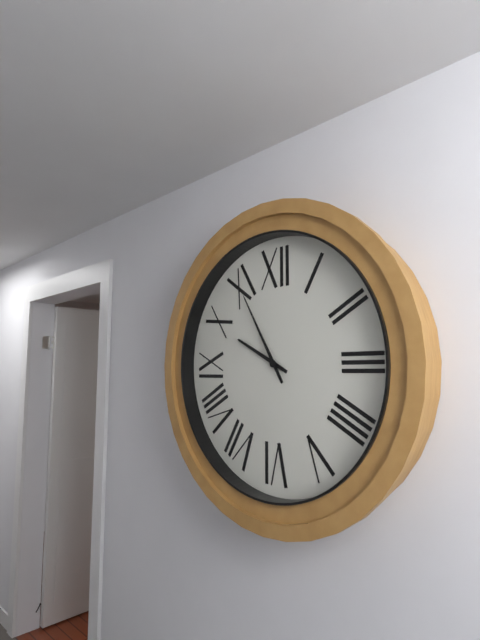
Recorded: h=9 m=55
